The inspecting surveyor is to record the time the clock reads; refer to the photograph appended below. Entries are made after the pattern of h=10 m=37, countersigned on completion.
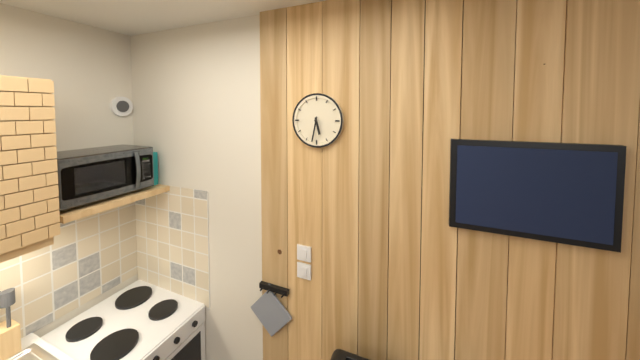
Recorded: h=5 m=32
